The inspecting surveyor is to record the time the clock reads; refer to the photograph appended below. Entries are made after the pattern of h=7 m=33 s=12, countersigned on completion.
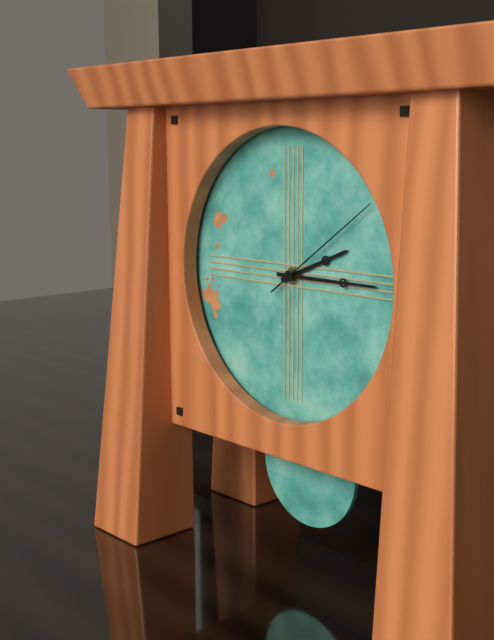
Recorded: h=2 m=15 s=9
